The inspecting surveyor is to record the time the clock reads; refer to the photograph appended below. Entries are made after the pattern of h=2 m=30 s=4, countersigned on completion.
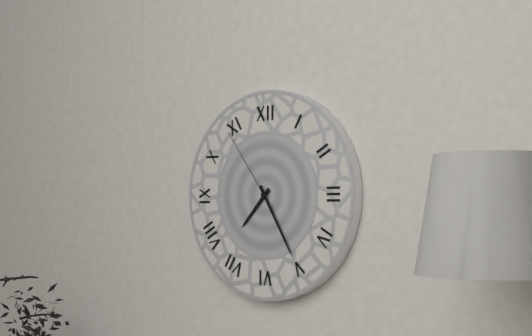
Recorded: h=7 m=25 s=54
